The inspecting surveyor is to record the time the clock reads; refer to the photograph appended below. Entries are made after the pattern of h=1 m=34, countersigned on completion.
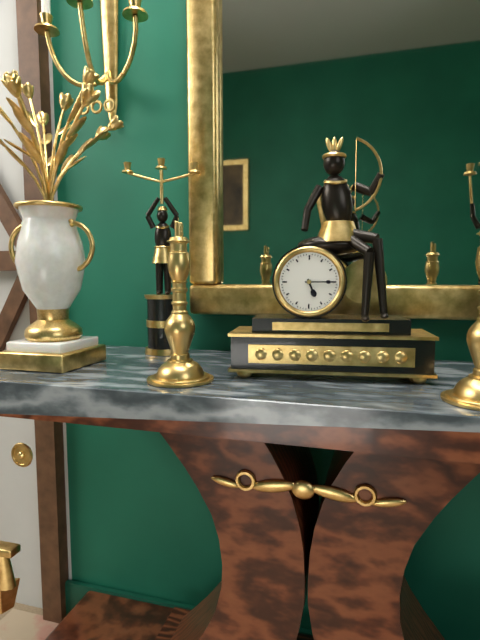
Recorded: h=5 m=15
